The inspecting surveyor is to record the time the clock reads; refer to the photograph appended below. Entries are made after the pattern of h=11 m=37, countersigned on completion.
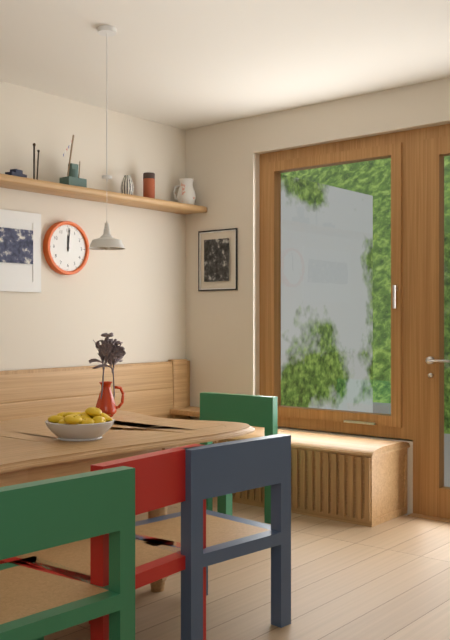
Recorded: h=12 m=1
